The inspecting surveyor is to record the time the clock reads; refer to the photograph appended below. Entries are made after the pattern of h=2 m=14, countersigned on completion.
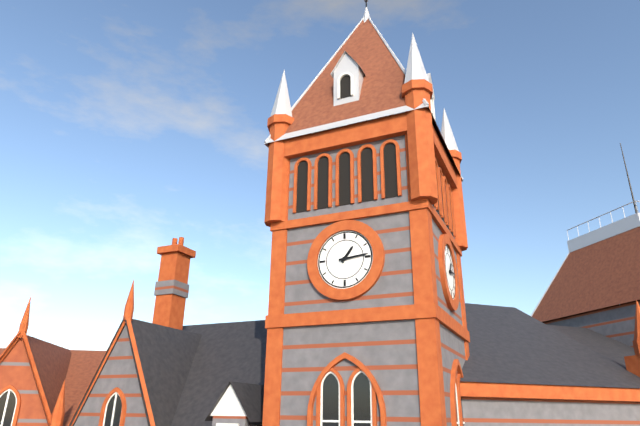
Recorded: h=1 m=14
